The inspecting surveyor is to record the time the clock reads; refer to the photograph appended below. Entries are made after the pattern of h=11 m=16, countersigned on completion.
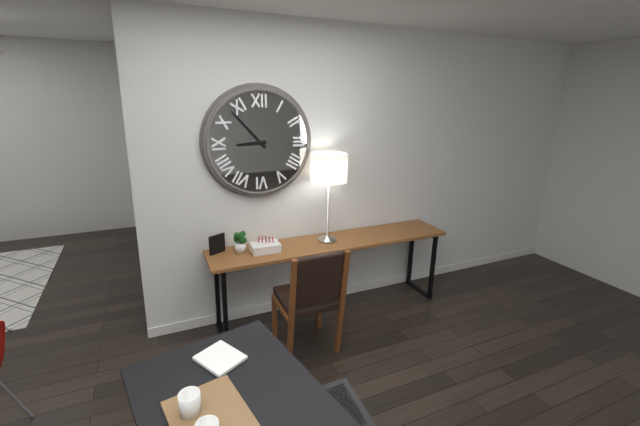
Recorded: h=8 m=53
